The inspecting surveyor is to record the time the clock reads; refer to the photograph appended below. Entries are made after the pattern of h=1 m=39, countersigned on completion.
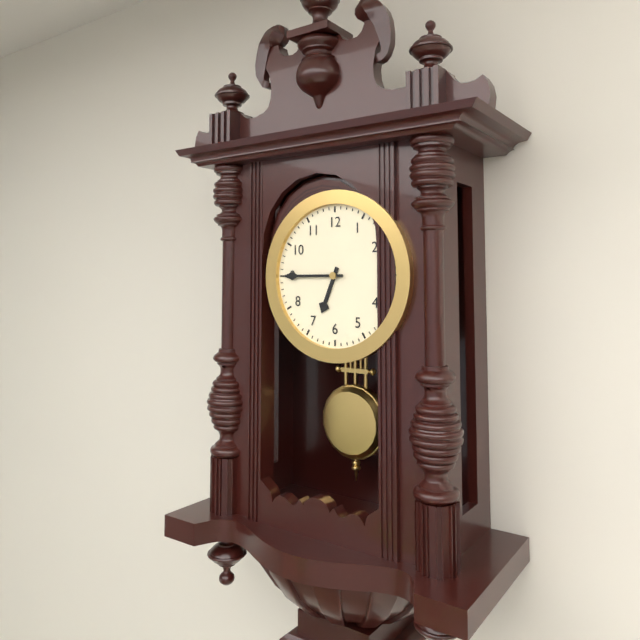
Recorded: h=6 m=45
